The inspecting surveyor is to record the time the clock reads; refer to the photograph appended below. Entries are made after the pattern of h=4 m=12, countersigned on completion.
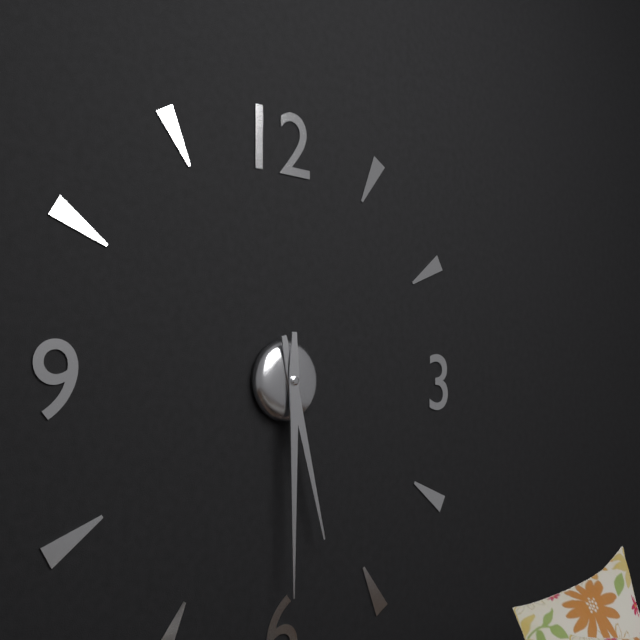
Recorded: h=5 m=30
